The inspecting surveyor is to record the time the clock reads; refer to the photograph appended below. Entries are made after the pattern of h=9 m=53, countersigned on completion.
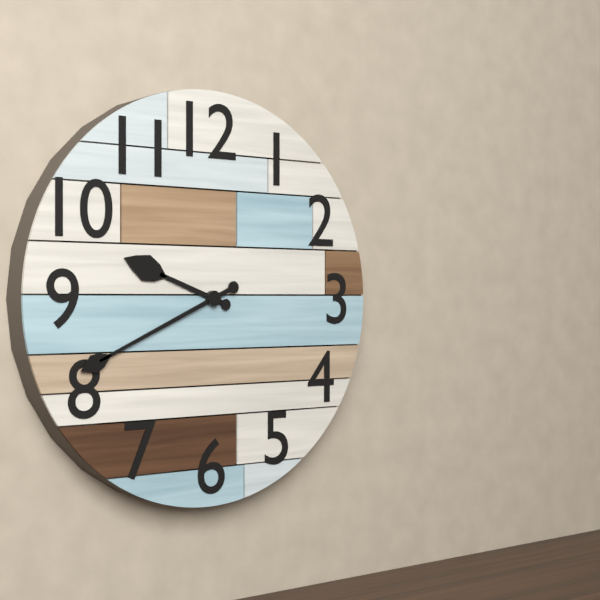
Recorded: h=9 m=41
